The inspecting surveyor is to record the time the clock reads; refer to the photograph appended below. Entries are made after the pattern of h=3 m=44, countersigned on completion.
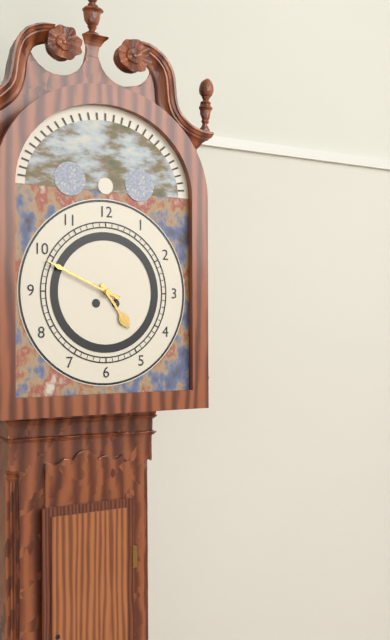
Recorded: h=4 m=49
